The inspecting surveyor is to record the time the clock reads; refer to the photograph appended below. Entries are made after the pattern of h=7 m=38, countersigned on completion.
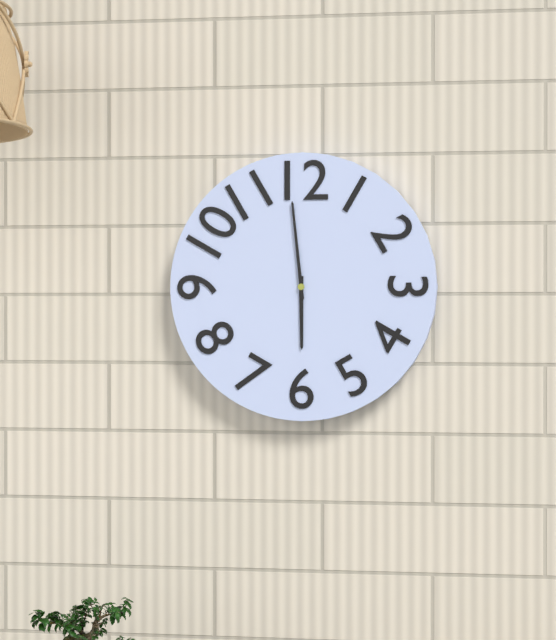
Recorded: h=5 m=59
